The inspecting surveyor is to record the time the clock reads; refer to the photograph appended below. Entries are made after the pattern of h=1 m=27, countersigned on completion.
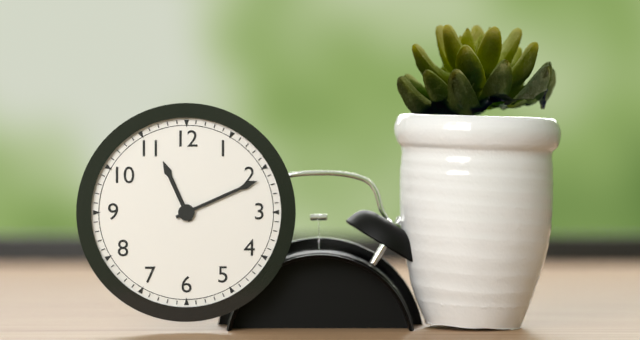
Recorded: h=11 m=11
